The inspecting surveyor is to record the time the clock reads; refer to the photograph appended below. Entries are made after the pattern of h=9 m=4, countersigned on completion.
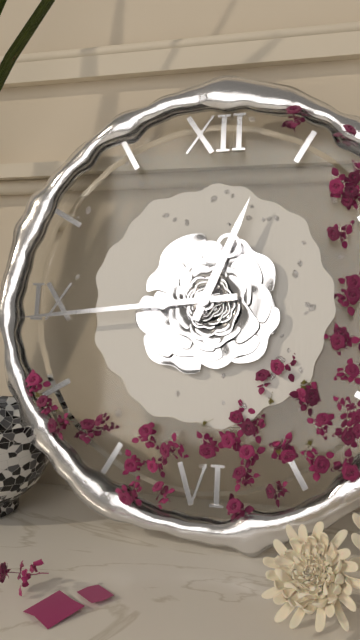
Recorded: h=12 m=44
